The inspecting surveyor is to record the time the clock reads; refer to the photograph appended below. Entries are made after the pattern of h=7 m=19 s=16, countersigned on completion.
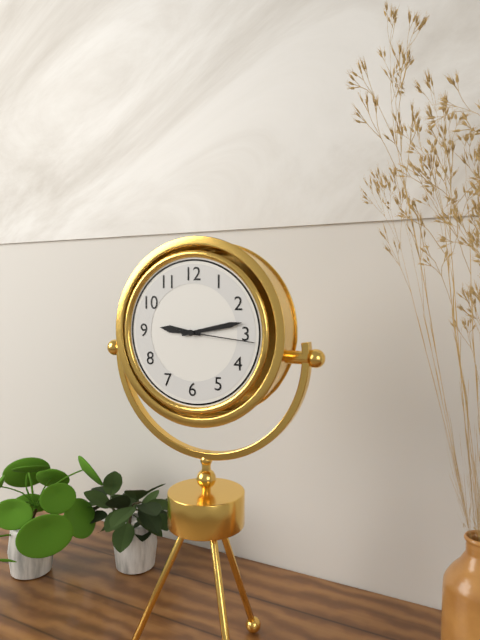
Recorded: h=9 m=13 s=16
